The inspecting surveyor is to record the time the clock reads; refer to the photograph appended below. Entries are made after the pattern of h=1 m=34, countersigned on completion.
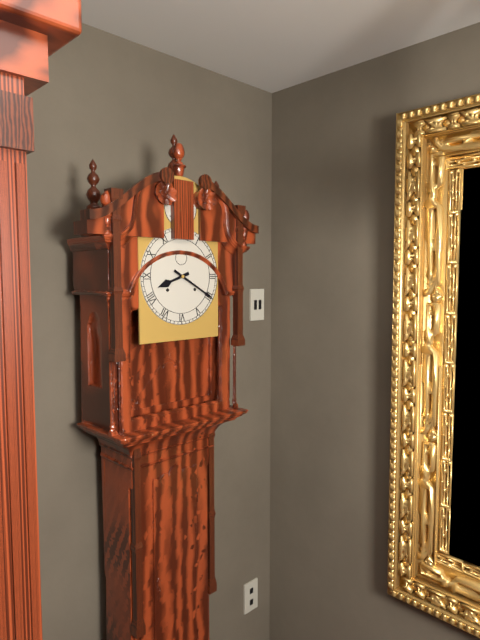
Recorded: h=8 m=20
